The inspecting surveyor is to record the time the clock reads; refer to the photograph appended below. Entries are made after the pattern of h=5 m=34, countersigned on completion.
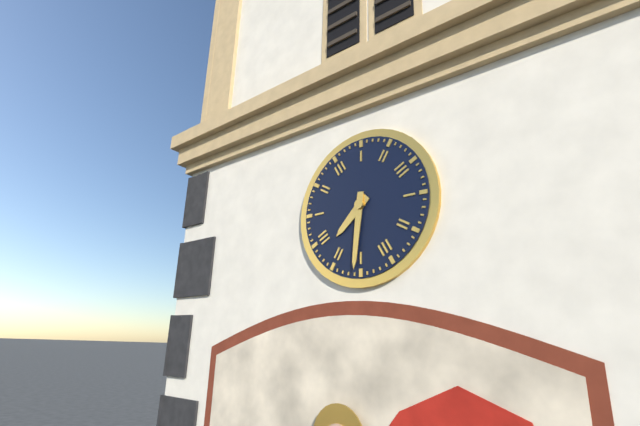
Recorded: h=7 m=31
